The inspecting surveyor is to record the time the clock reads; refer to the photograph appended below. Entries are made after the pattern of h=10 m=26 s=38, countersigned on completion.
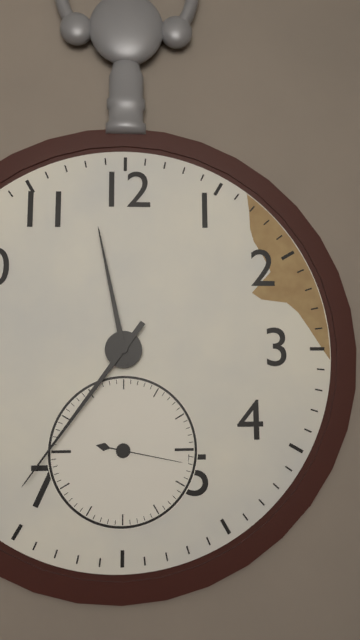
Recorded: h=11 m=36 s=17
